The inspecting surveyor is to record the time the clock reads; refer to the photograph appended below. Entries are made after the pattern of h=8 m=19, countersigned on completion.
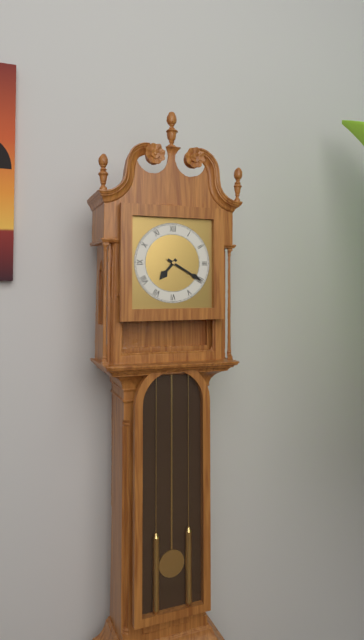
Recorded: h=7 m=20
